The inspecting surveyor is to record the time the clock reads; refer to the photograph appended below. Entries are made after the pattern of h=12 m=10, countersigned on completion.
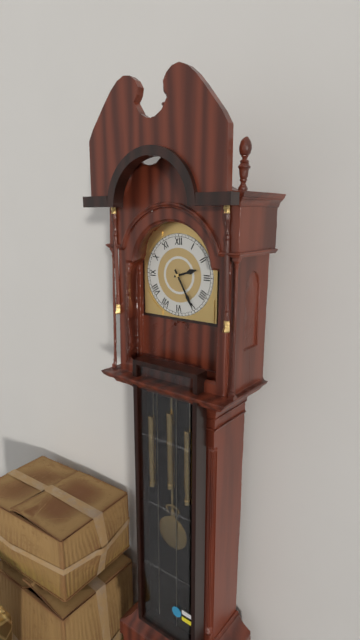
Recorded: h=2 m=25
